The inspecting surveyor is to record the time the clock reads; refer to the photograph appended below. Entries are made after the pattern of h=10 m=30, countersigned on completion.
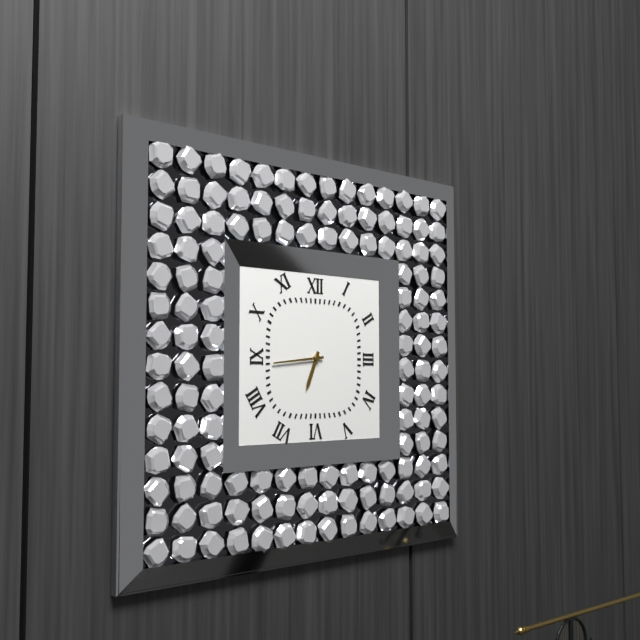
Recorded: h=6 m=44
